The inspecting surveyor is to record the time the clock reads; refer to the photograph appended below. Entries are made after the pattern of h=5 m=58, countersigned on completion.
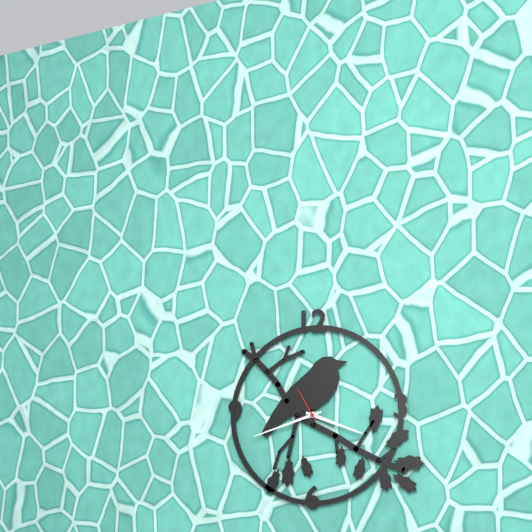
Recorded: h=3 m=42
